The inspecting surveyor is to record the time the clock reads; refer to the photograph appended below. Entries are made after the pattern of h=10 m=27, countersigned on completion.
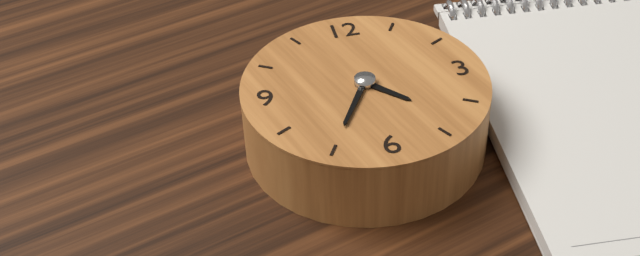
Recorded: h=4 m=35
